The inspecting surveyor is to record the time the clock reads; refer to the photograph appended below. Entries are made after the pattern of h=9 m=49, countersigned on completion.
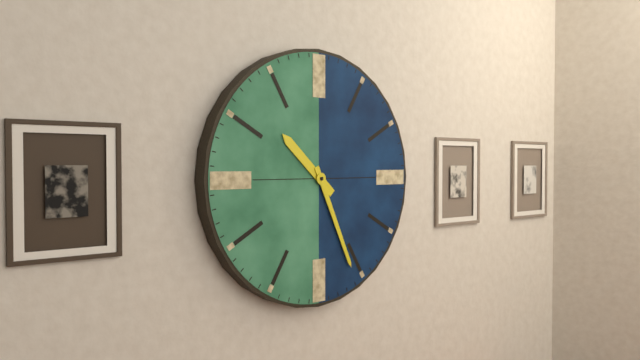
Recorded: h=10 m=26
